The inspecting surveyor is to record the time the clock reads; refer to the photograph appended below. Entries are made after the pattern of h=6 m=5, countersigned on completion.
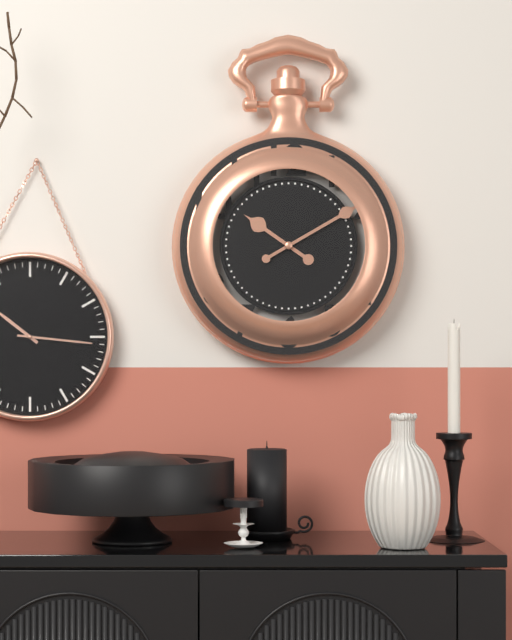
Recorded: h=10 m=10
